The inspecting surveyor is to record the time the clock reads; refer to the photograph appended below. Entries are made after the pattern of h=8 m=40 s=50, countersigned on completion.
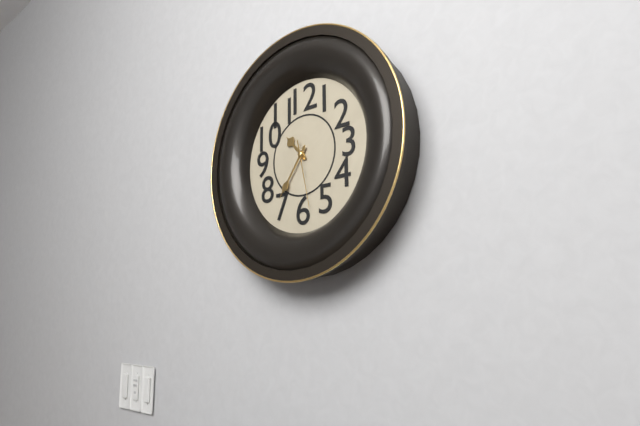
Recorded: h=10 m=36 s=28
